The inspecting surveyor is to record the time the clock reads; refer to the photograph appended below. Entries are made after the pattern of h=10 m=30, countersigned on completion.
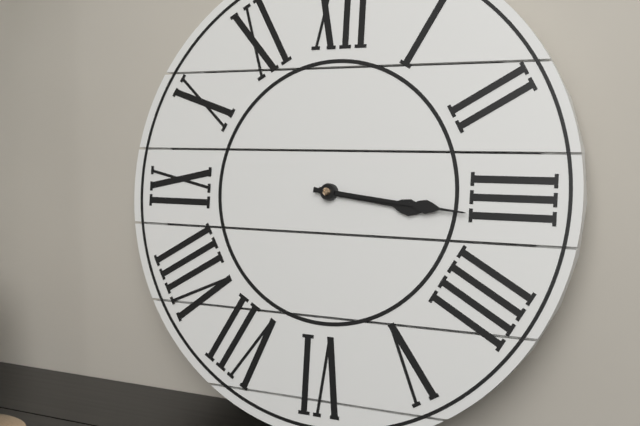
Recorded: h=3 m=16
